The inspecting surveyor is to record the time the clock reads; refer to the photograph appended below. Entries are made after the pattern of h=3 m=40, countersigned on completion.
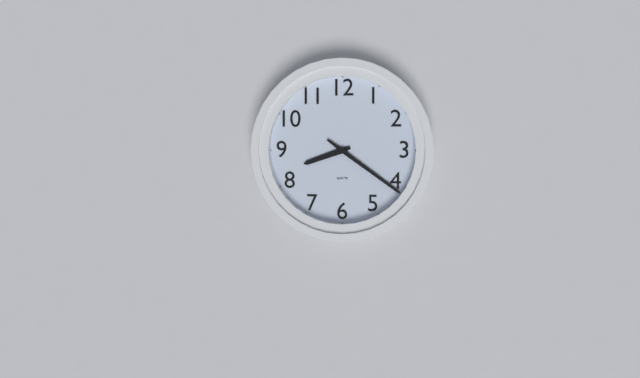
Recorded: h=8 m=21
